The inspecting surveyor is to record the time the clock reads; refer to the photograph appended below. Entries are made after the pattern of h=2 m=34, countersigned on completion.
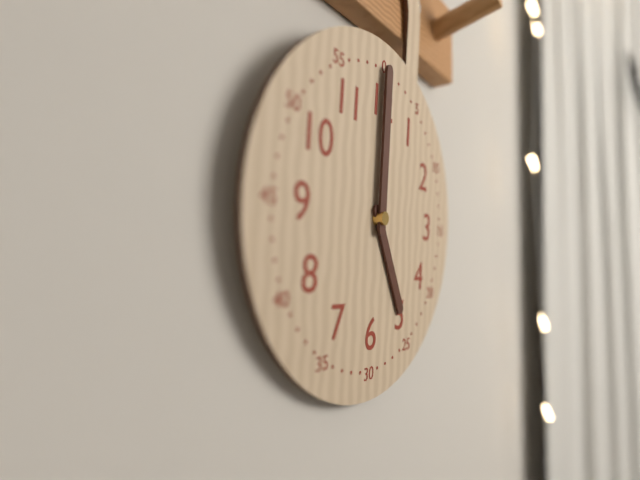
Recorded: h=5 m=0
